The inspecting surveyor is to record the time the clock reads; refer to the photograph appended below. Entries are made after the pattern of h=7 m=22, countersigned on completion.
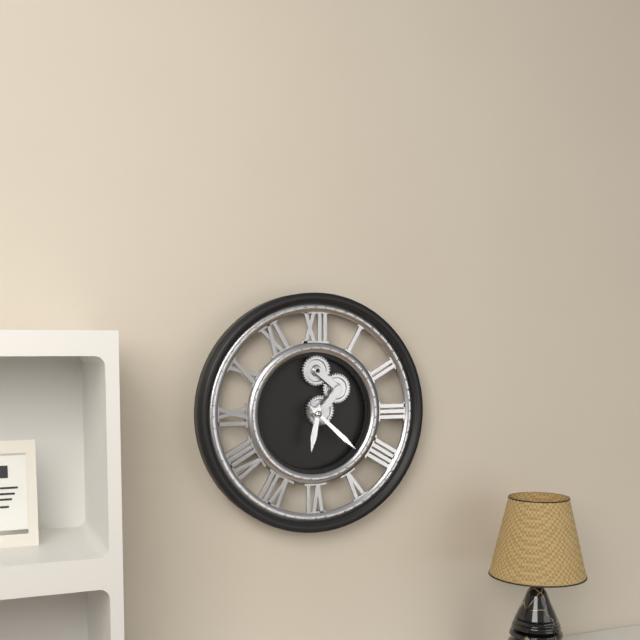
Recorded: h=6 m=22
